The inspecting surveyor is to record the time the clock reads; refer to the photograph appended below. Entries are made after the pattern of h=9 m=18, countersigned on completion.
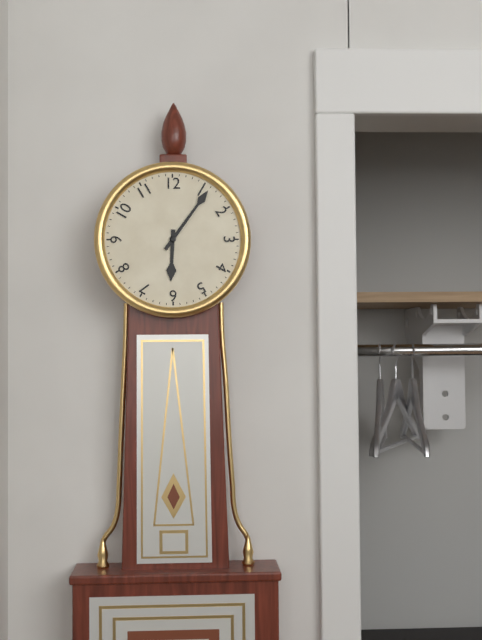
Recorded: h=6 m=6
